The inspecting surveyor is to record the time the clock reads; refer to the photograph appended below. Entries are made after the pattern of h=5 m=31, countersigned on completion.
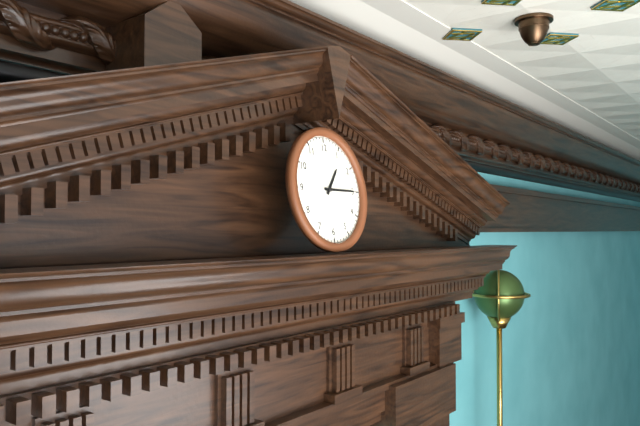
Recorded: h=1 m=15
